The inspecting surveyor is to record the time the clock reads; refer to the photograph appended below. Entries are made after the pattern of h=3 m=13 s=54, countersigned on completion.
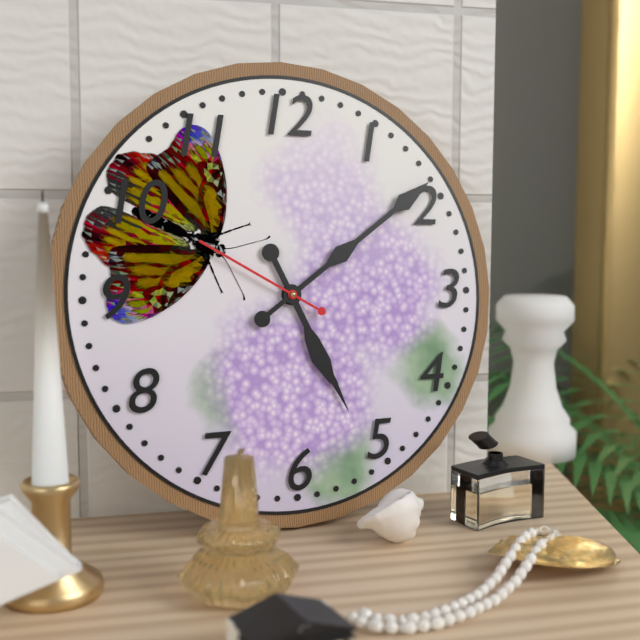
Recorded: h=5 m=9 s=50
